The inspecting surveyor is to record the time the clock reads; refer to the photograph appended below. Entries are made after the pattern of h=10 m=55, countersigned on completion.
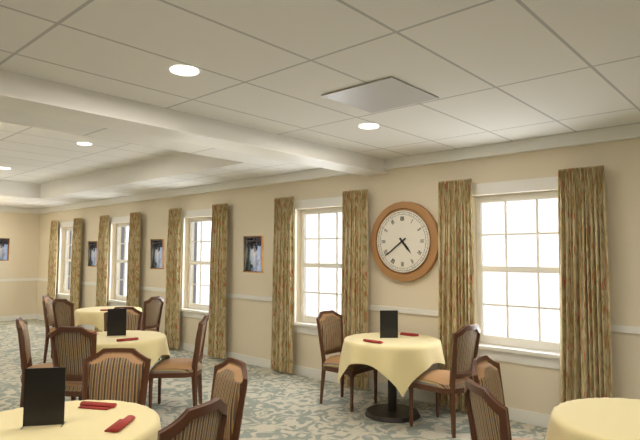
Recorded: h=4 m=39
